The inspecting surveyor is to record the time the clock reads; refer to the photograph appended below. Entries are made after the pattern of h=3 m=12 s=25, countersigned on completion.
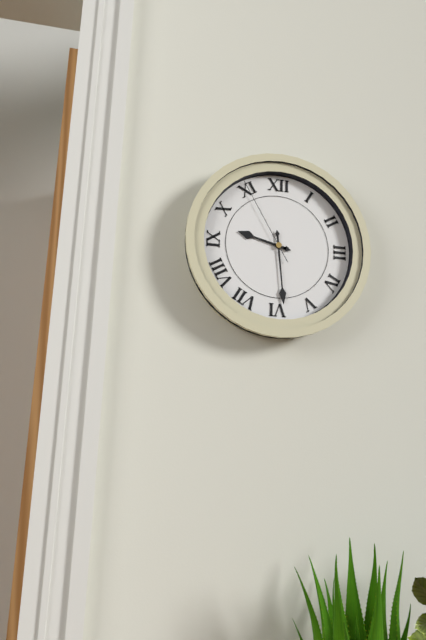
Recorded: h=9 m=29 s=55
